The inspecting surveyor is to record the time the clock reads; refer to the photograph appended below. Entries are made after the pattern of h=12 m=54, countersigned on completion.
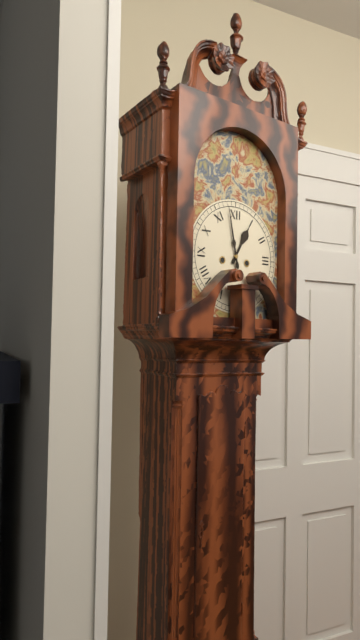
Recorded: h=12 m=58
